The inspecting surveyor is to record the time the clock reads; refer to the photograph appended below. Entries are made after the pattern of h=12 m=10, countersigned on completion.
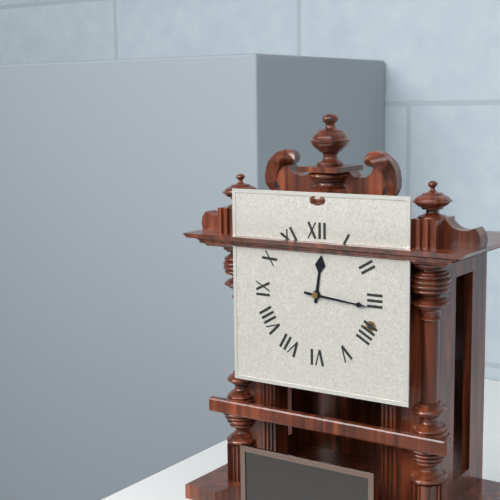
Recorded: h=12 m=16
